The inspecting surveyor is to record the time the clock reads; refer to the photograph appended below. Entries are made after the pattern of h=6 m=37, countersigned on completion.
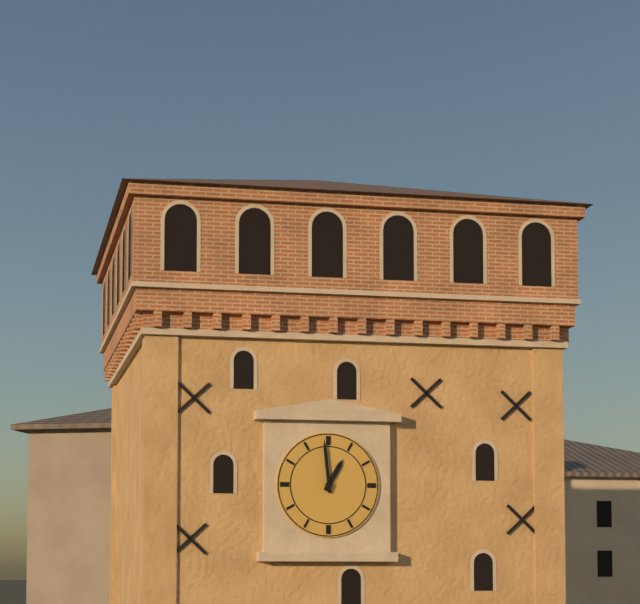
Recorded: h=12 m=59
